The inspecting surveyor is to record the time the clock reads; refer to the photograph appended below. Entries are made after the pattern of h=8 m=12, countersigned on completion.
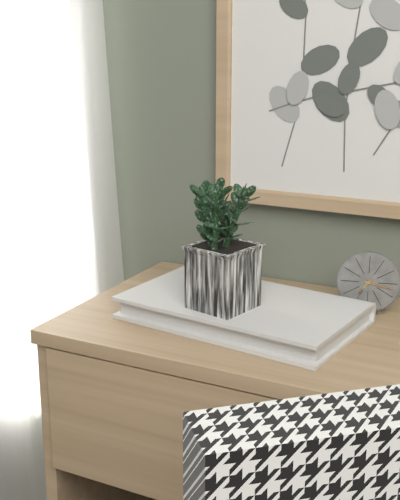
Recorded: h=7 m=17
